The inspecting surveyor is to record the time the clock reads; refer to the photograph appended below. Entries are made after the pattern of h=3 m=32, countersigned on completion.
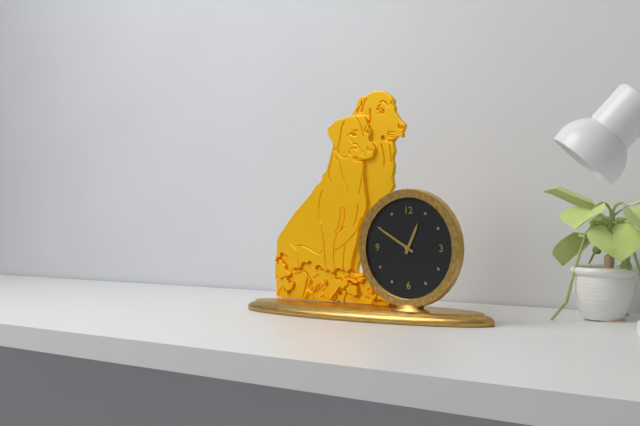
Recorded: h=12 m=50
